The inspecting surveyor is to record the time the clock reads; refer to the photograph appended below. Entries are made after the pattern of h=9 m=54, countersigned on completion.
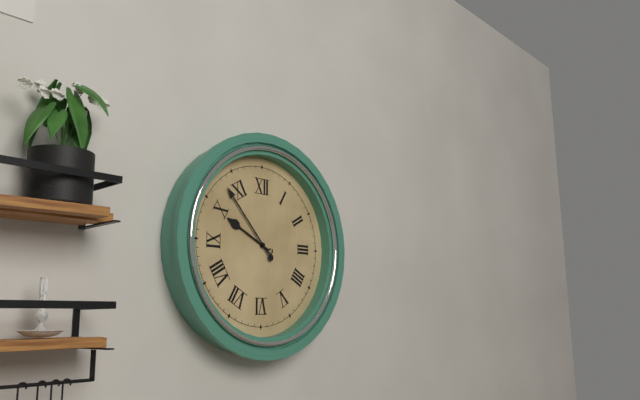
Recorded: h=9 m=53
